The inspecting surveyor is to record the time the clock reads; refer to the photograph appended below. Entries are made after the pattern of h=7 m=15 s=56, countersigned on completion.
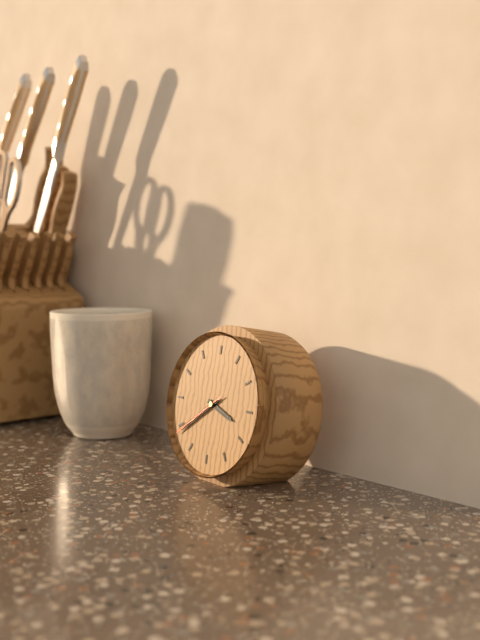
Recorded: h=3 m=39 s=39
